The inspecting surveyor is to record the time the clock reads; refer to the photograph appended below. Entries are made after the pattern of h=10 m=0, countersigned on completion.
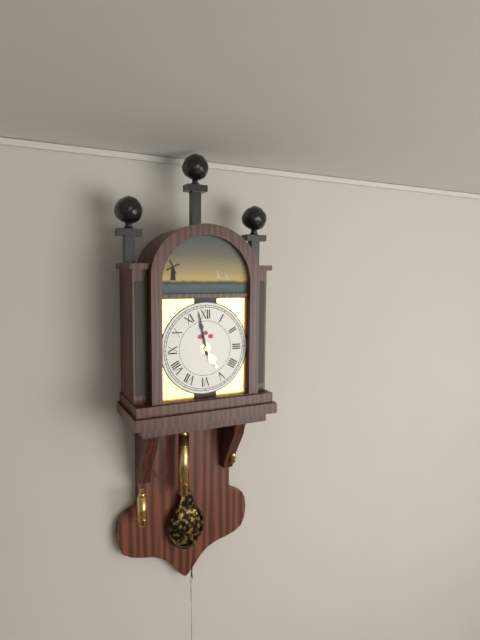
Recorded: h=4 m=58
